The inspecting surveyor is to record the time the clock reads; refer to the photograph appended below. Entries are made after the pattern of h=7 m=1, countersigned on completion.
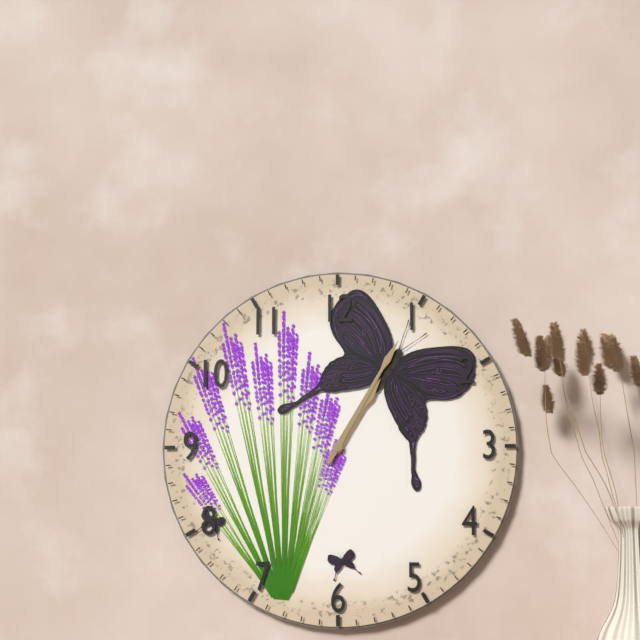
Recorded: h=1 m=5
